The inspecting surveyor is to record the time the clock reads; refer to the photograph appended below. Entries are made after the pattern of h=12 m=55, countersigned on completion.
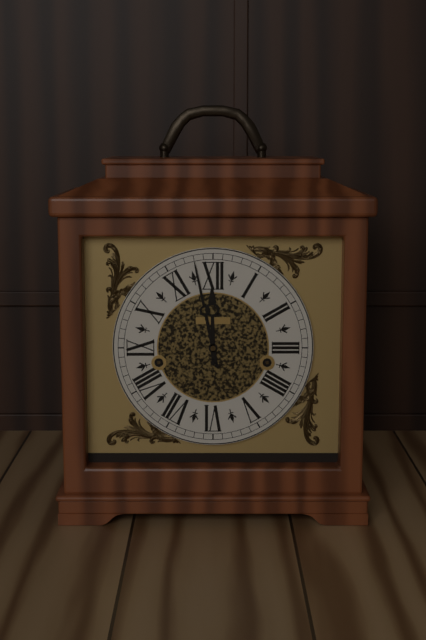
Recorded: h=11 m=58
